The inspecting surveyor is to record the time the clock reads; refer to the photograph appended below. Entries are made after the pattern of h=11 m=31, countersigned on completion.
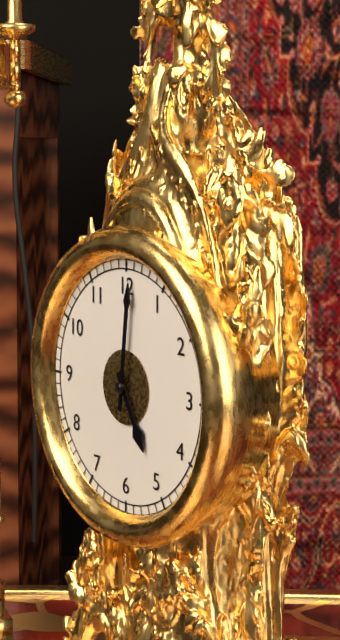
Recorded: h=5 m=1
